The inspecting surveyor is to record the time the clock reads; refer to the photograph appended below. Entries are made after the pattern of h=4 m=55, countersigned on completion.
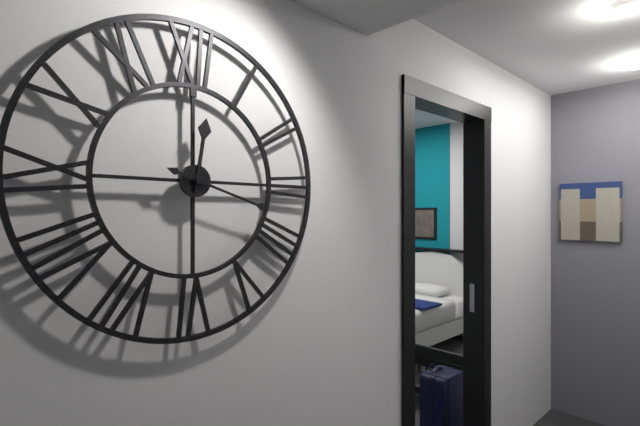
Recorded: h=12 m=18
